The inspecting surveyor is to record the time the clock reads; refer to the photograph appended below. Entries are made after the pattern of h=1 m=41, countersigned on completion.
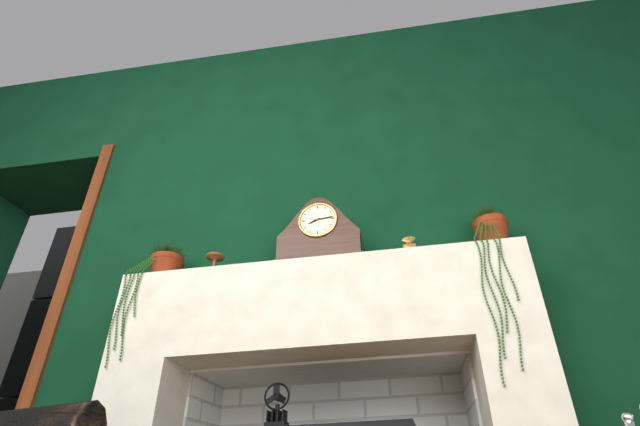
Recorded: h=8 m=14
